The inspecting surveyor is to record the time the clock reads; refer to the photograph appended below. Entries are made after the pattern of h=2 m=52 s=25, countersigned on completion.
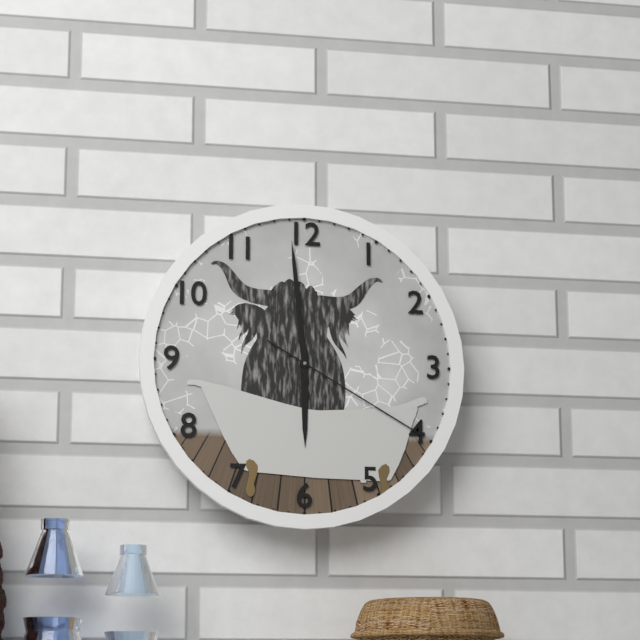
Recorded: h=5 m=59 s=20
